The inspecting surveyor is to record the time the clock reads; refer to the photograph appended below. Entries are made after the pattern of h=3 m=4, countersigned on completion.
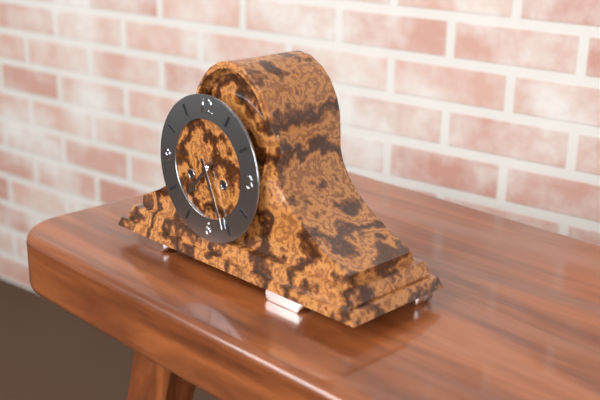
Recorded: h=7 m=26
